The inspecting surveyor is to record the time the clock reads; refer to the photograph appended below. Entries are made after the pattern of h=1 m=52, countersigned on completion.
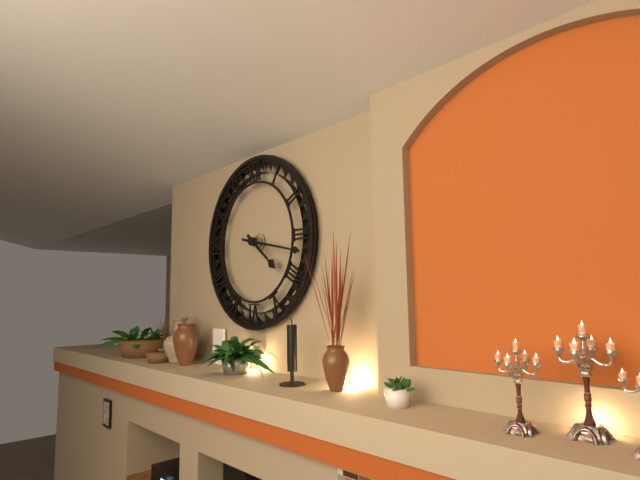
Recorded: h=4 m=17
